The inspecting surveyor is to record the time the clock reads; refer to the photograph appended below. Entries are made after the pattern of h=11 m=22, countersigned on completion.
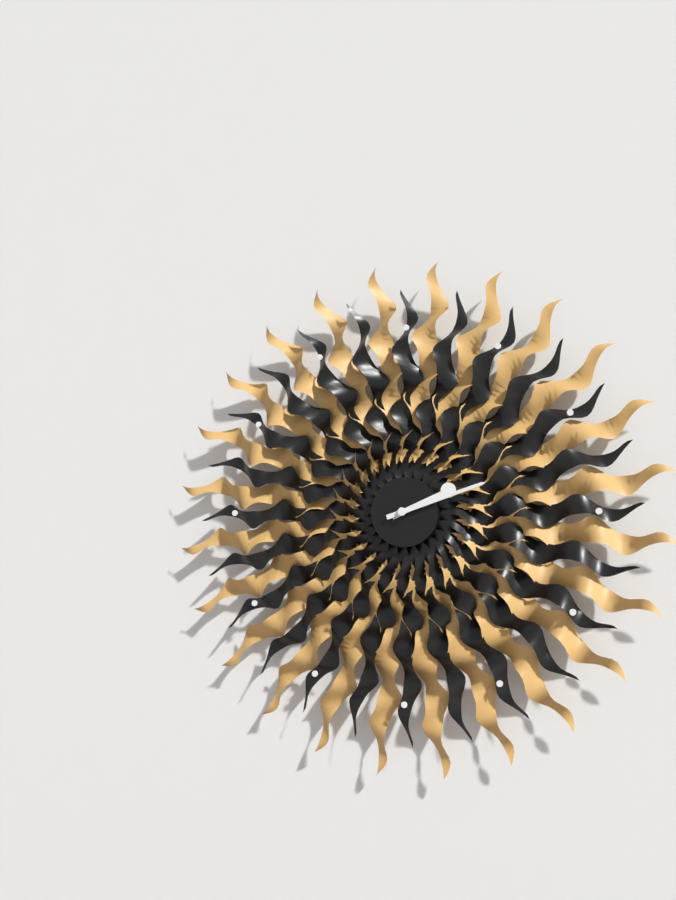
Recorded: h=2 m=12
